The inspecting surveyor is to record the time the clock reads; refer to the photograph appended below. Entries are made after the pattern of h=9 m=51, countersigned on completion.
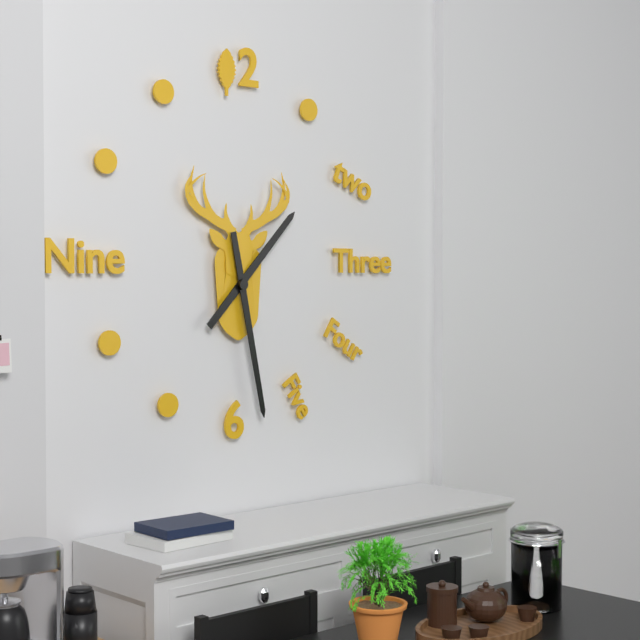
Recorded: h=1 m=28
